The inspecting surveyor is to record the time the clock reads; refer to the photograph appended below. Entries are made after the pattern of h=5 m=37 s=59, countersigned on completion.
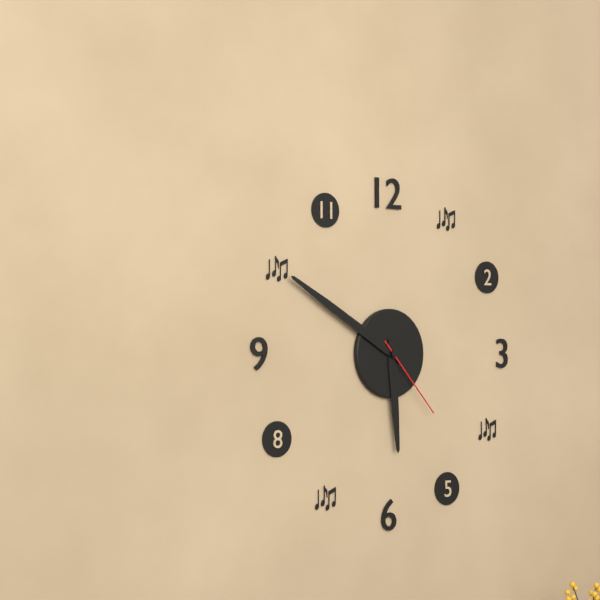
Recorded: h=5 m=50 s=23
